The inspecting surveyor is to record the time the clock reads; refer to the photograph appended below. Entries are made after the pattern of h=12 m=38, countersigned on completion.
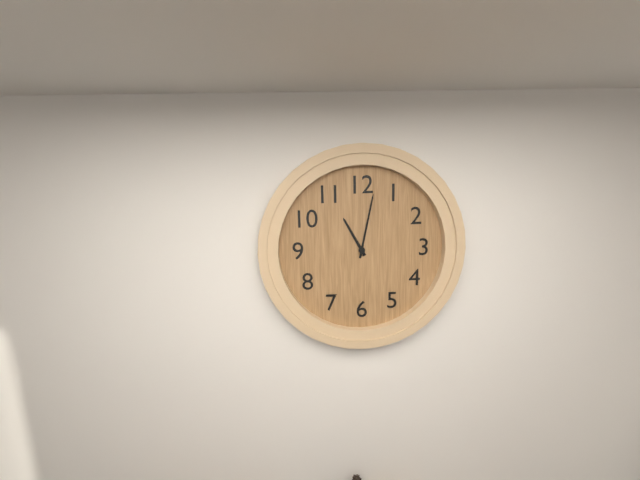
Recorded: h=11 m=2
